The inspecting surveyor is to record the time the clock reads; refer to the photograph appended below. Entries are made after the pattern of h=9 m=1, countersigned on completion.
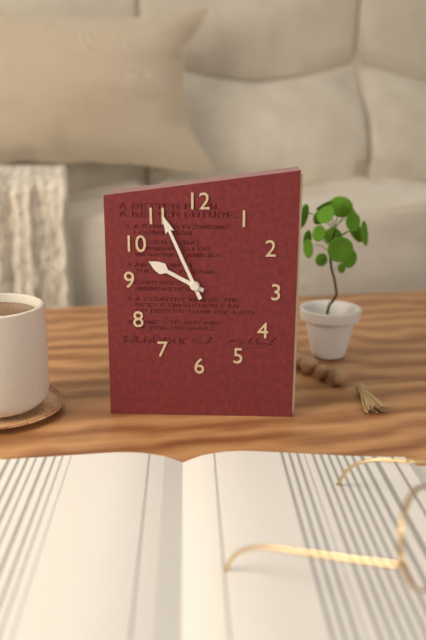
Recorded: h=9 m=56
